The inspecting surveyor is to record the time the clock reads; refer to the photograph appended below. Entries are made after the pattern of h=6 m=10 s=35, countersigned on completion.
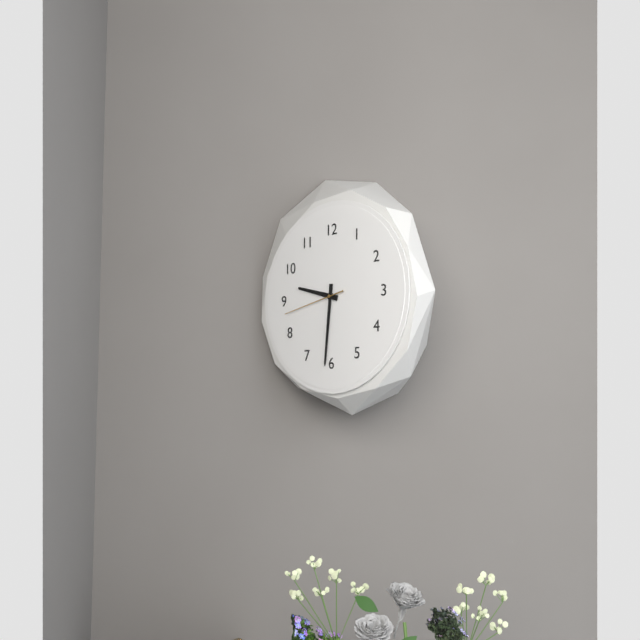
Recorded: h=9 m=31 s=43
